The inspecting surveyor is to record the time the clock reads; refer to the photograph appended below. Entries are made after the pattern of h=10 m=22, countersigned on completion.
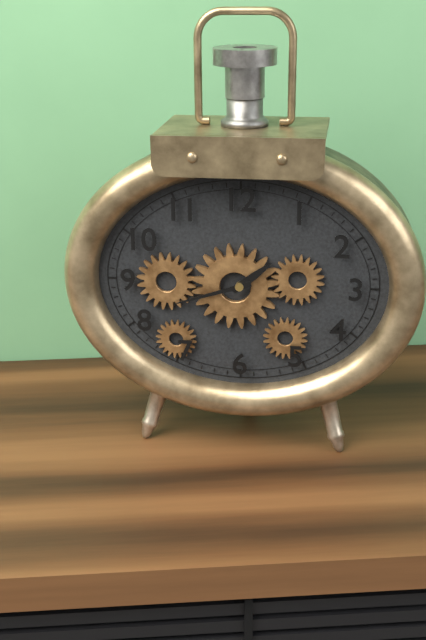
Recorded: h=1 m=42
